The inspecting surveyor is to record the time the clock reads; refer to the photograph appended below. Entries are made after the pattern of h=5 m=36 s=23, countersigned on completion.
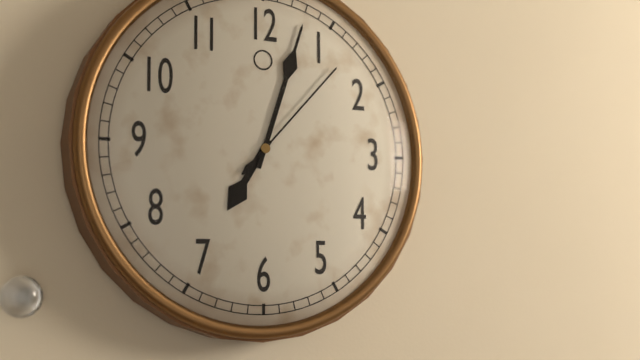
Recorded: h=7 m=3 s=7
